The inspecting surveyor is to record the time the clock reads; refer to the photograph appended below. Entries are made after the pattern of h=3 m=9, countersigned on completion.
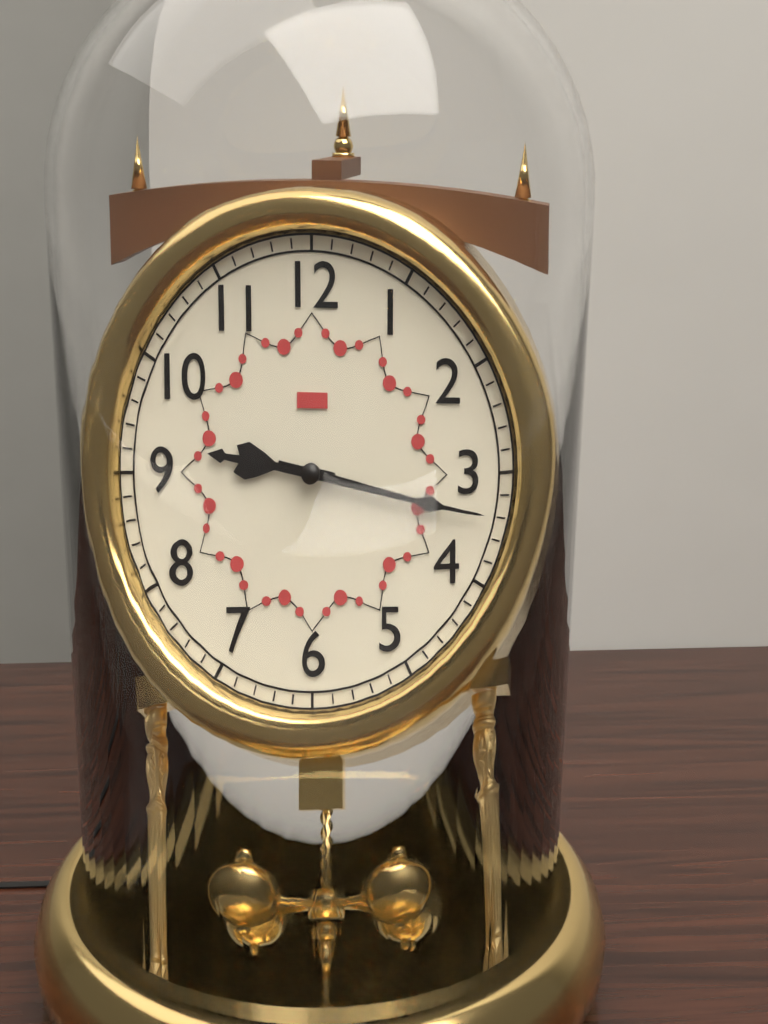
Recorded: h=9 m=17
